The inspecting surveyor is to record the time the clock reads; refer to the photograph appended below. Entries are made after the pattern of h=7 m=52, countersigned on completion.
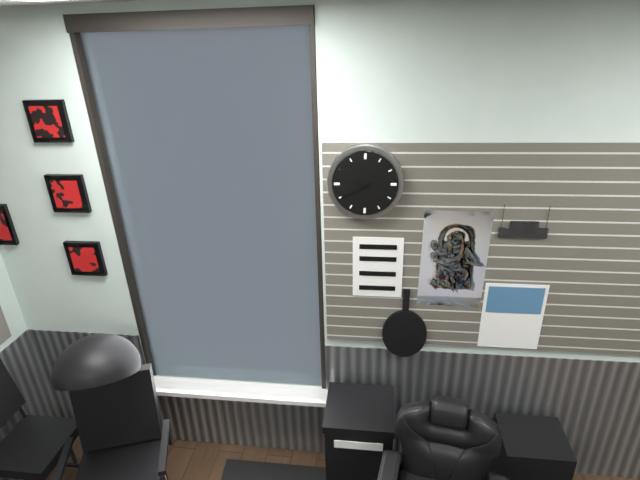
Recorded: h=9 m=40
